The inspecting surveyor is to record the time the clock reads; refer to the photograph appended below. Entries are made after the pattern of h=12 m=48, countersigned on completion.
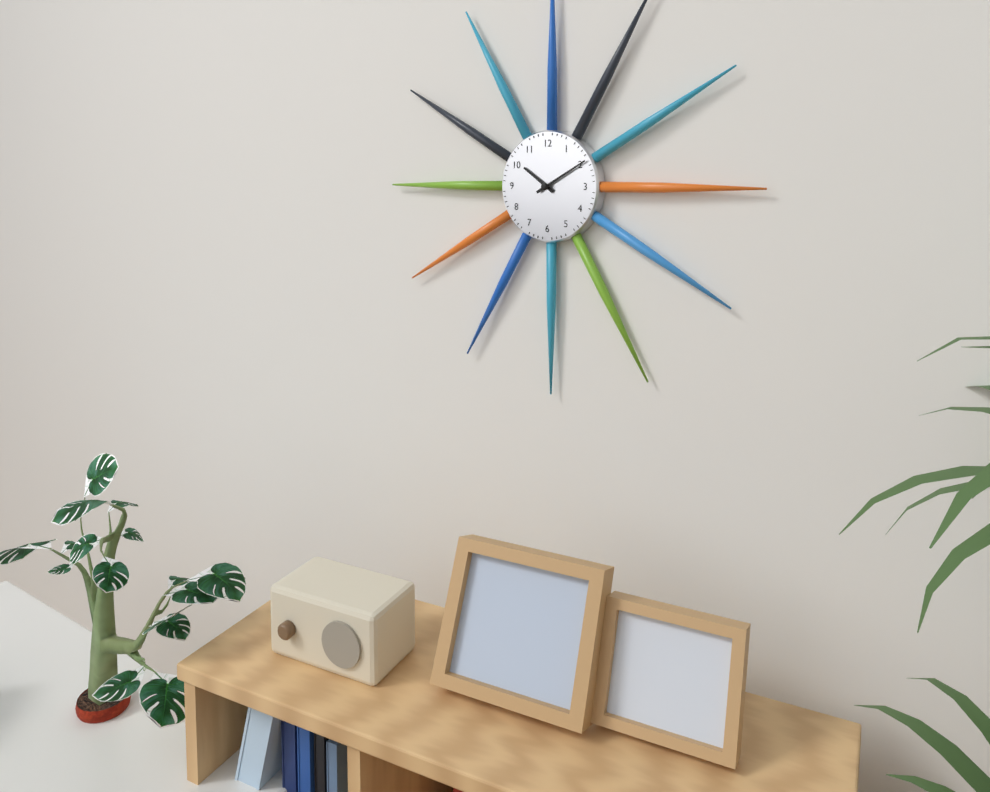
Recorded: h=10 m=10
